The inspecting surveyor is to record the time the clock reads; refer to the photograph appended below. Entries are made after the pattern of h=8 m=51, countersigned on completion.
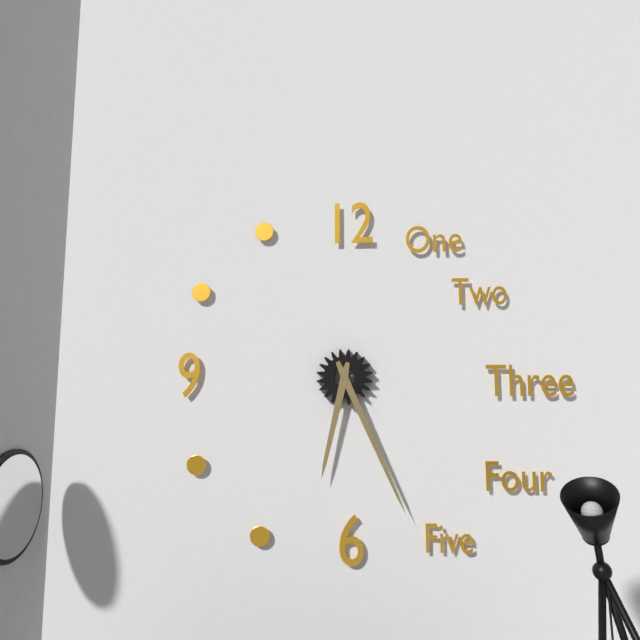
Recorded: h=6 m=26
